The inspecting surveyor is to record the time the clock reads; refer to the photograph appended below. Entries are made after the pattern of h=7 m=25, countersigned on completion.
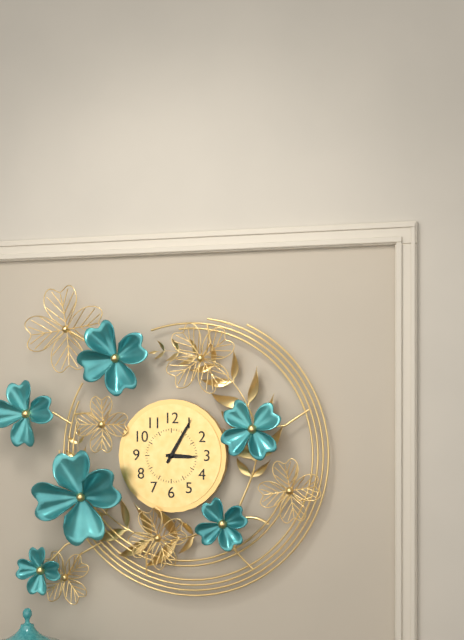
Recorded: h=3 m=5
